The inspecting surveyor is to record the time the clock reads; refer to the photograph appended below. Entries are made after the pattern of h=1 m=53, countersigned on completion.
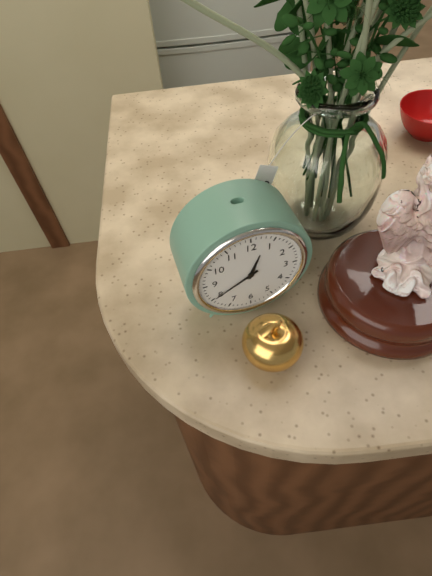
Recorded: h=12 m=40
